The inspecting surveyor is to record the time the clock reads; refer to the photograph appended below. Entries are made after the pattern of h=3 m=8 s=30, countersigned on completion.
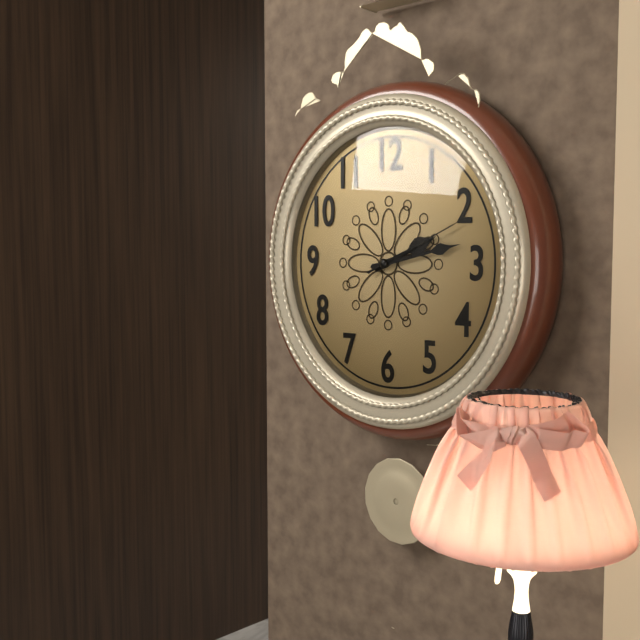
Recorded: h=2 m=13 s=11
